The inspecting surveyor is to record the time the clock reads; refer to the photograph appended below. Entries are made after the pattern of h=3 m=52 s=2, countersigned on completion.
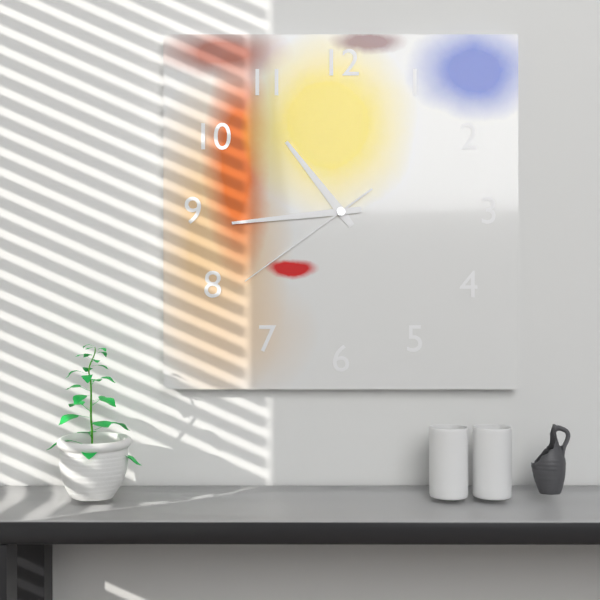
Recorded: h=10 m=44 s=39
